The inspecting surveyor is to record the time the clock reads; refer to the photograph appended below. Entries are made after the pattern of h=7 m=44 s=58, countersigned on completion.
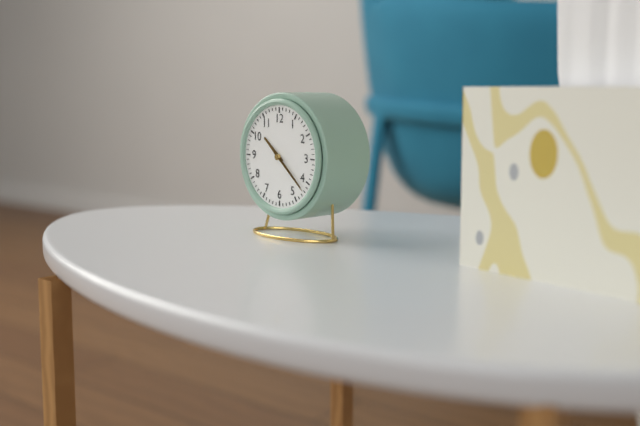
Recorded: h=10 m=22 s=22
